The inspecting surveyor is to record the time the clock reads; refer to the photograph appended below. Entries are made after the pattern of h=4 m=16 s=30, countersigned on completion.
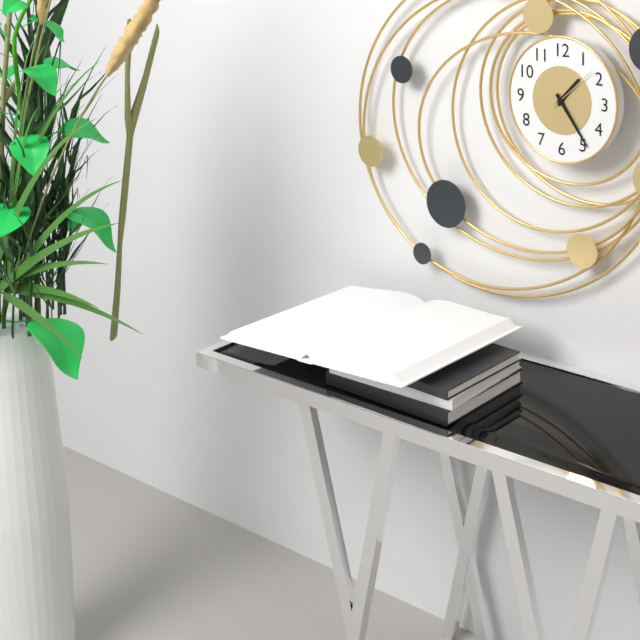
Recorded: h=1 m=24 s=8
